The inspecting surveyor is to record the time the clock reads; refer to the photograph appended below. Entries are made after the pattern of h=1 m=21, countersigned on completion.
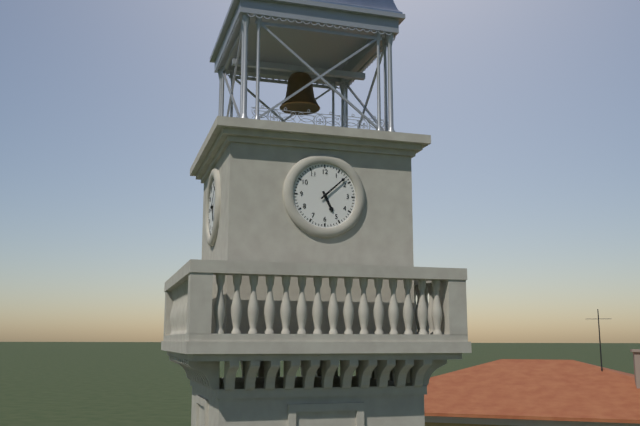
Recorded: h=5 m=8
